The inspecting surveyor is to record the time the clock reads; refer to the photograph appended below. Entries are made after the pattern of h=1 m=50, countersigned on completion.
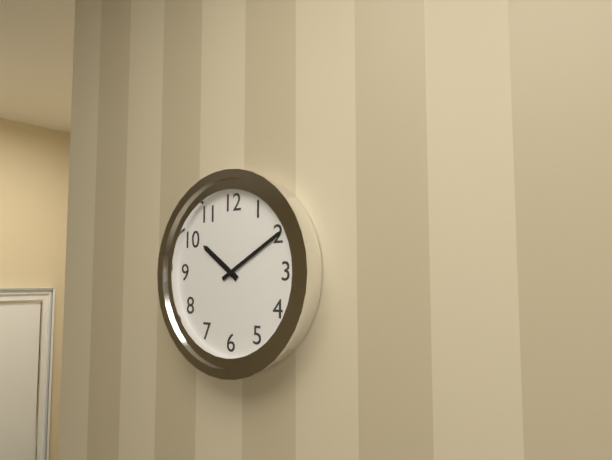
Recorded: h=10 m=10
